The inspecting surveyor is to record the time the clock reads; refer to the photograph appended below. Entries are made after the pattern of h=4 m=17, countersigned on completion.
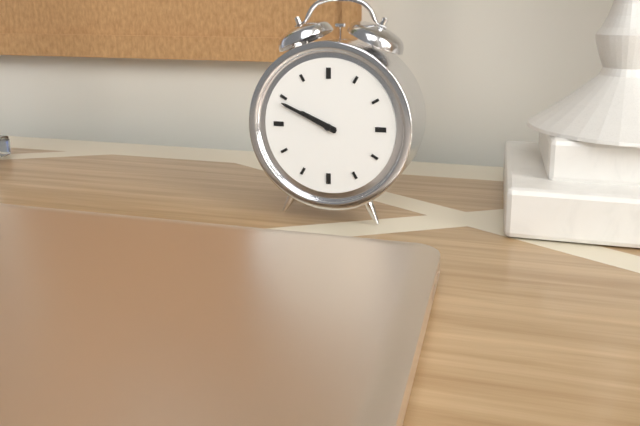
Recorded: h=9 m=49
